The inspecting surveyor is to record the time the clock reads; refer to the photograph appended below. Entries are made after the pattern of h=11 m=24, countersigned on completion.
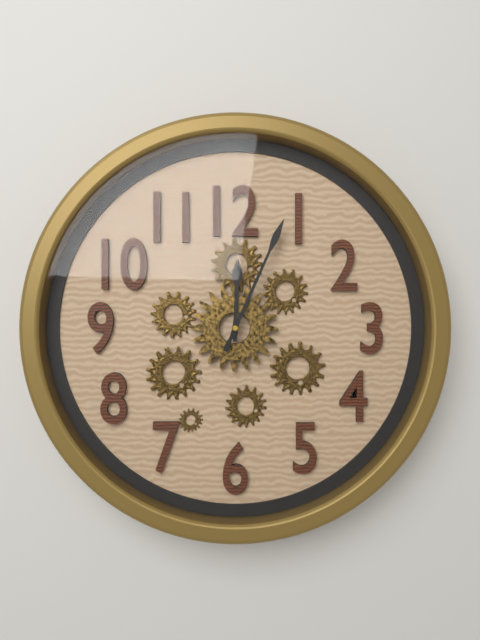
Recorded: h=12 m=4
